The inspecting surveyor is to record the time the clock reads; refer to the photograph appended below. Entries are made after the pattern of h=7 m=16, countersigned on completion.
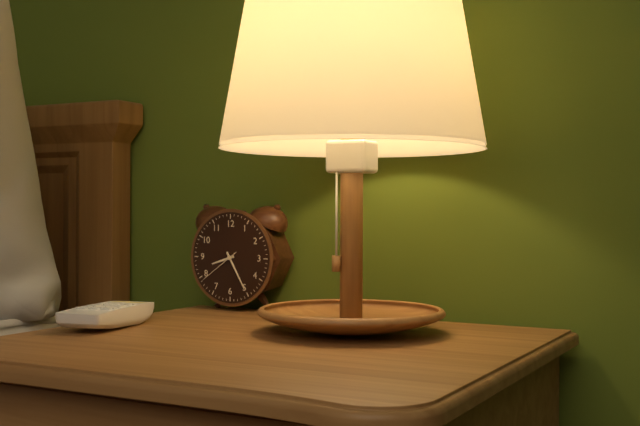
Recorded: h=8 m=25
